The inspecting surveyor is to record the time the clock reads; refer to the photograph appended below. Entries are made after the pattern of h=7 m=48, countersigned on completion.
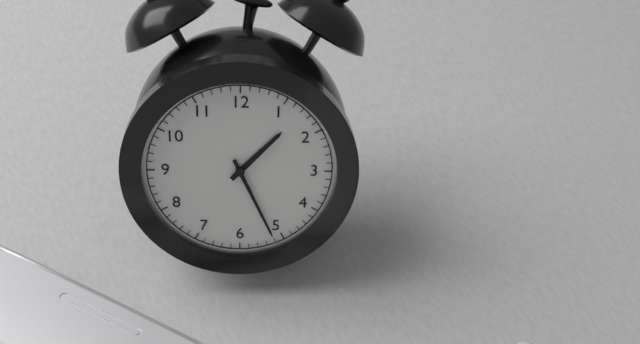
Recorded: h=1 m=26
